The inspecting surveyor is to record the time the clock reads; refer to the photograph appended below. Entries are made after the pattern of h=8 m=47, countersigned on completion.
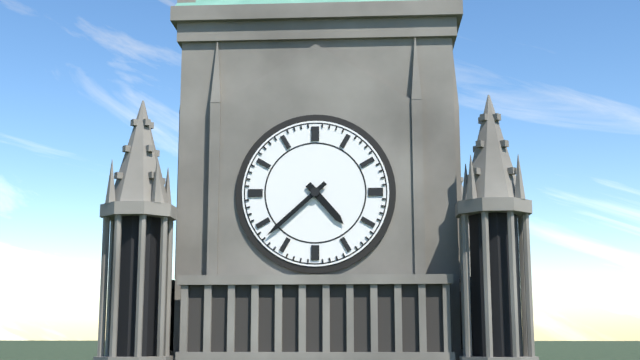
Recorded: h=4 m=38
